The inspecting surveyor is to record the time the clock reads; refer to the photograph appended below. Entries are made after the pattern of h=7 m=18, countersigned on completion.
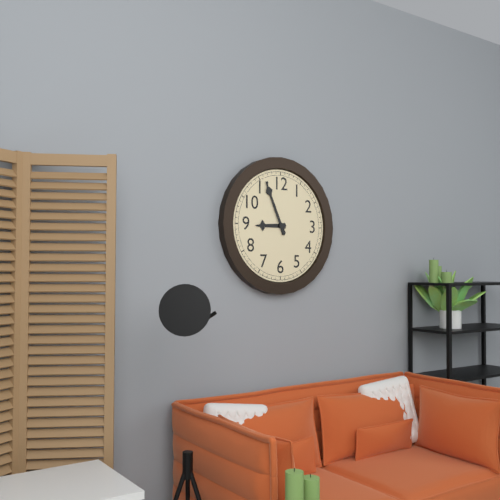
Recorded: h=8 m=56
